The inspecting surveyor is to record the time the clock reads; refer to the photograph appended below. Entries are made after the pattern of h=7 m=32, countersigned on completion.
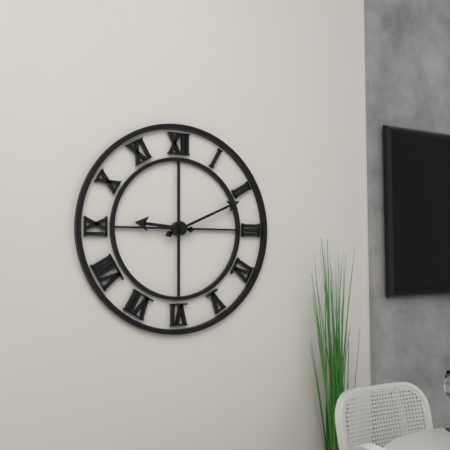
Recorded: h=9 m=11
